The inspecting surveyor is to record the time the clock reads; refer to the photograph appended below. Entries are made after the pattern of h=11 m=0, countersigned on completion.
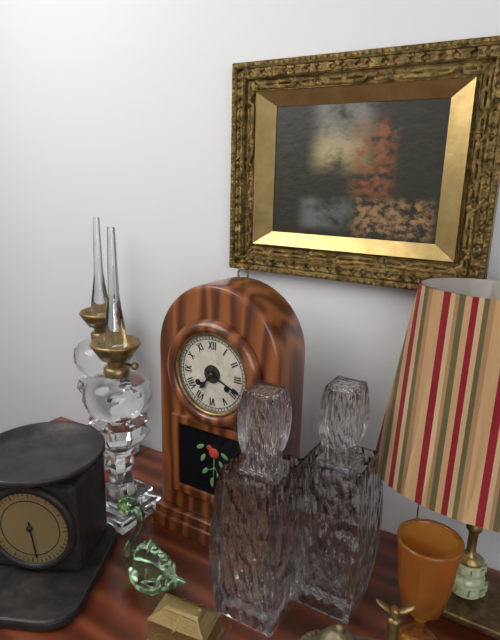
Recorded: h=7 m=19
